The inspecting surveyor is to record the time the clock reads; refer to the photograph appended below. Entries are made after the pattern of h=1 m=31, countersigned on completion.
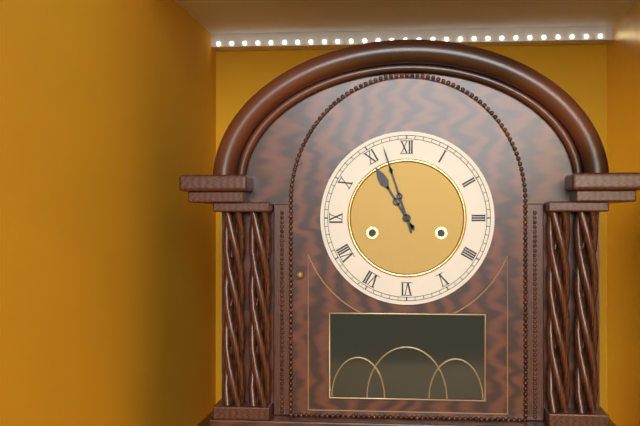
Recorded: h=10 m=57
